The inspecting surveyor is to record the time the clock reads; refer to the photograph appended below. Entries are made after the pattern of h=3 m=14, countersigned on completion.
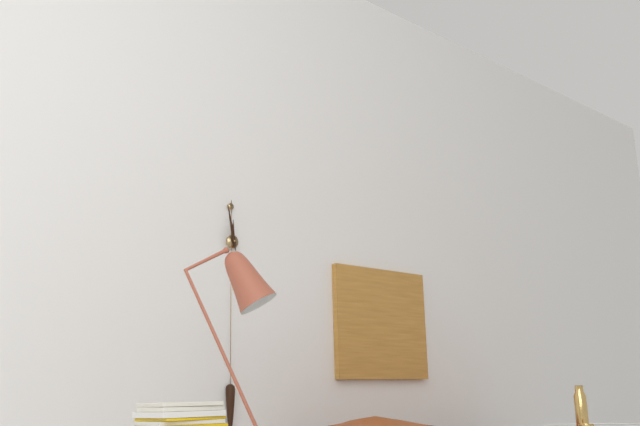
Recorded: h=11 m=58
